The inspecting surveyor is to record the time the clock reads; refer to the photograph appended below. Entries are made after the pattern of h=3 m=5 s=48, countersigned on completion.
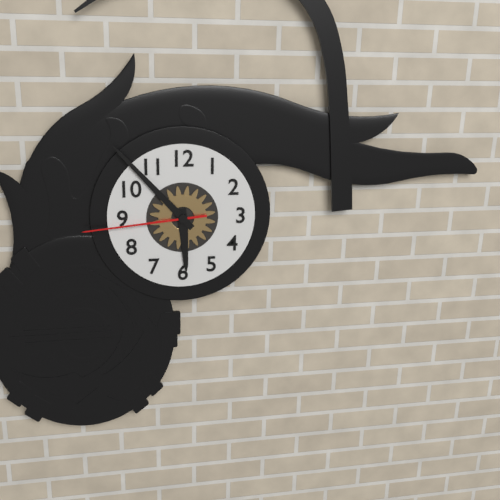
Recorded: h=5 m=53 s=44
